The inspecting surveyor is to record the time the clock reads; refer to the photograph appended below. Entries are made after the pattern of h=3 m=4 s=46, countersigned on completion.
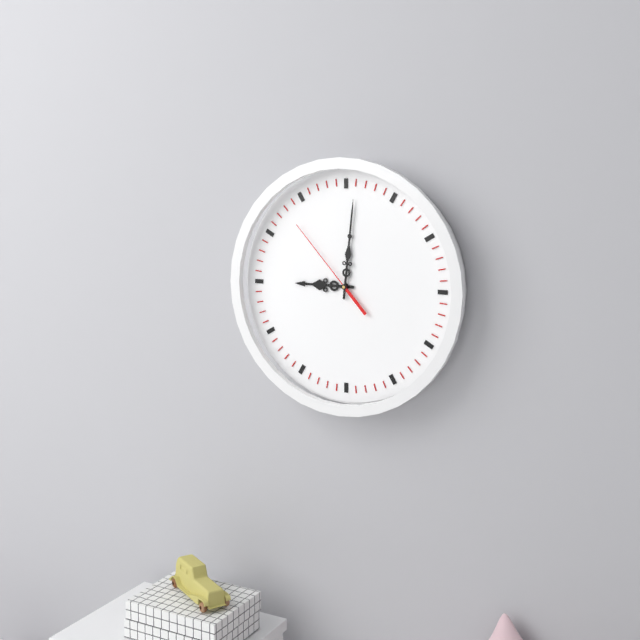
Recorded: h=9 m=1 s=53
